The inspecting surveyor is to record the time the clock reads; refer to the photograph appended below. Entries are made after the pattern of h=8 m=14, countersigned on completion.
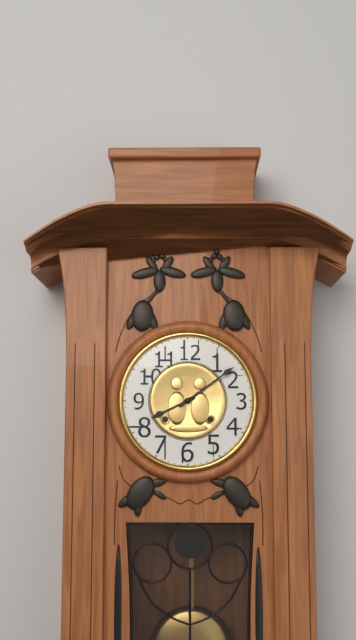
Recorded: h=8 m=9
